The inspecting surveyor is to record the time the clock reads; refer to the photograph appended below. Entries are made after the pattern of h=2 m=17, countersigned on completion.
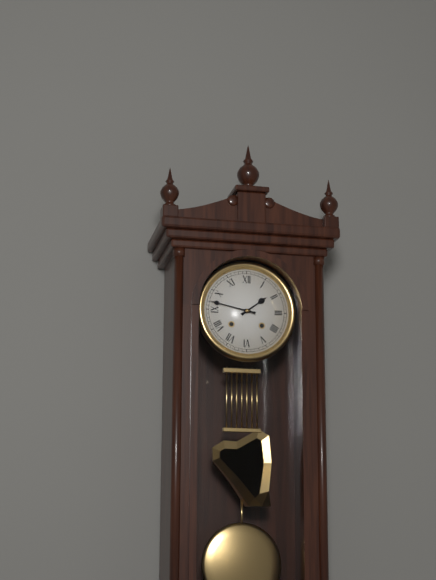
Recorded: h=1 m=47
